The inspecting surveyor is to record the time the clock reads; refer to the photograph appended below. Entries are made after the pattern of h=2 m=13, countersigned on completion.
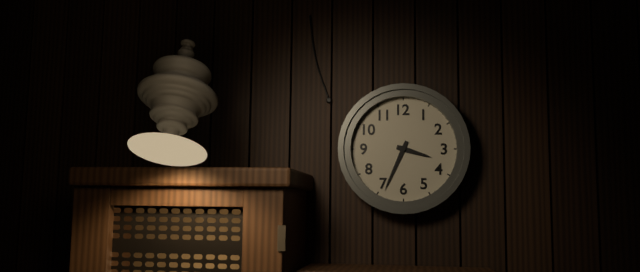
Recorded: h=3 m=34
